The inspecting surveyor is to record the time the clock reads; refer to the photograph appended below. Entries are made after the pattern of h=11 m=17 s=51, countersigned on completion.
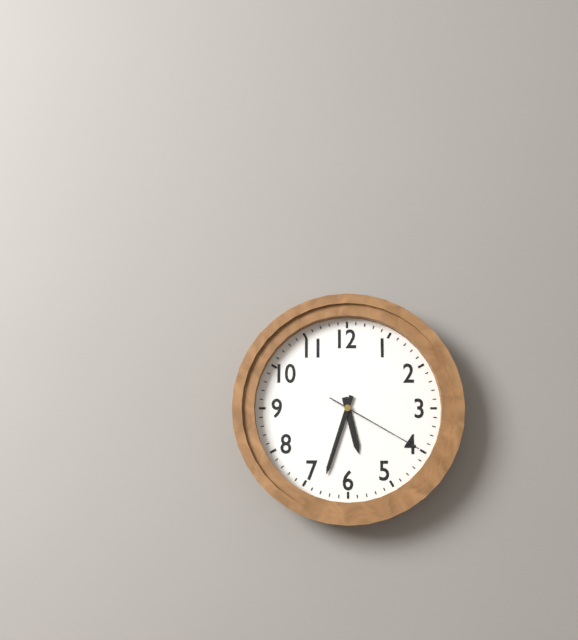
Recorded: h=5 m=33 s=20
